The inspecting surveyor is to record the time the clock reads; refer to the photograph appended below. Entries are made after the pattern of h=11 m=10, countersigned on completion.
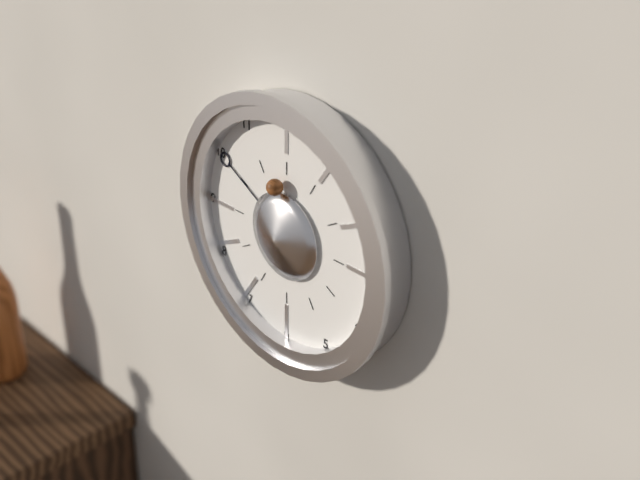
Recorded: h=11 m=50
